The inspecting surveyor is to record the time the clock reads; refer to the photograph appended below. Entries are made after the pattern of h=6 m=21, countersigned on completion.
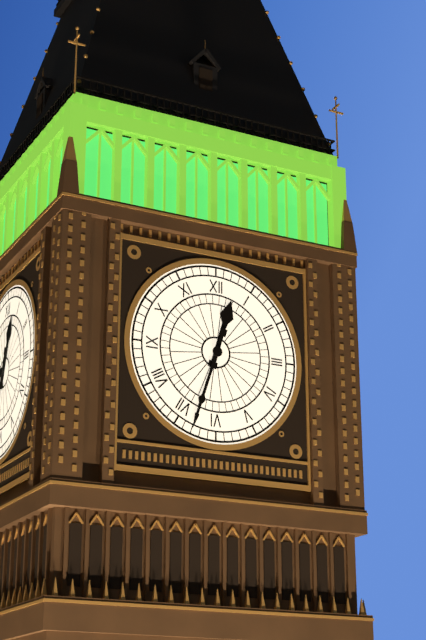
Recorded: h=12 m=33
